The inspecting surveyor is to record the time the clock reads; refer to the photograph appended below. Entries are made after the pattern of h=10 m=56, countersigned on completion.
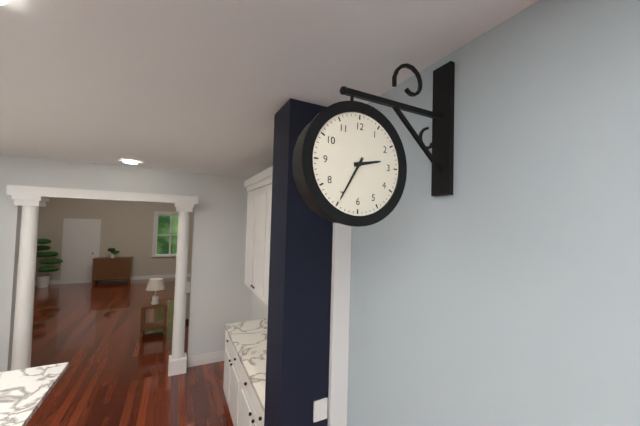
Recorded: h=2 m=35
